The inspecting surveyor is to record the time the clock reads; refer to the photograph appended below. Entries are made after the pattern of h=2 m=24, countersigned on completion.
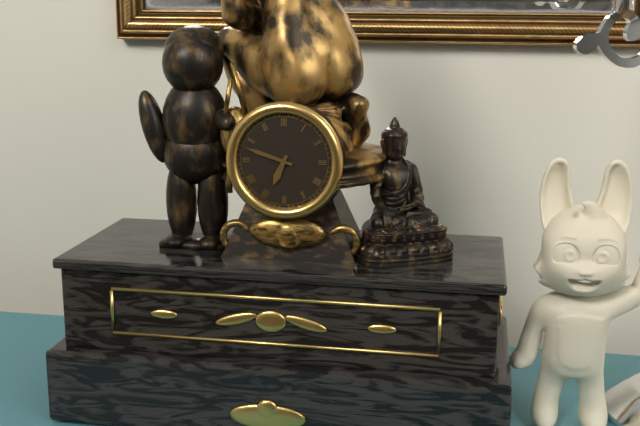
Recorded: h=6 m=48
